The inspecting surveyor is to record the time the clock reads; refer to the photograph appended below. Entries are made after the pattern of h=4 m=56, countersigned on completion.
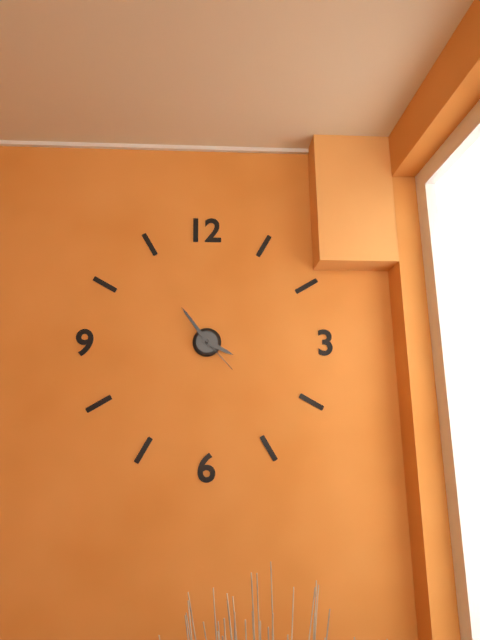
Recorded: h=3 m=54
